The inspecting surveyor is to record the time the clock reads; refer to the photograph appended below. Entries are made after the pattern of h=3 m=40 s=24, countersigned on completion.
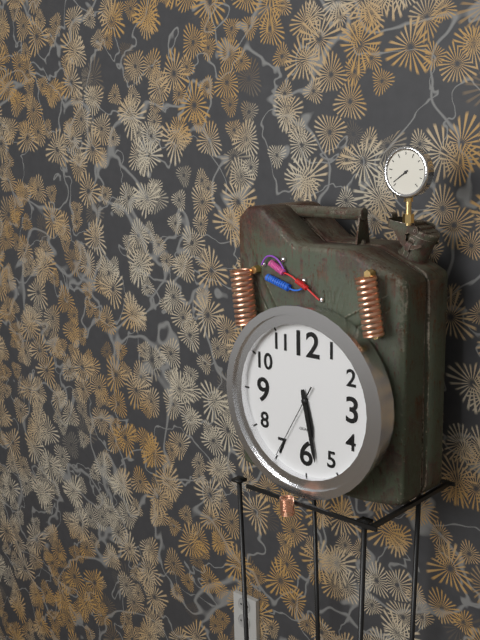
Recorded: h=5 m=28 s=35
